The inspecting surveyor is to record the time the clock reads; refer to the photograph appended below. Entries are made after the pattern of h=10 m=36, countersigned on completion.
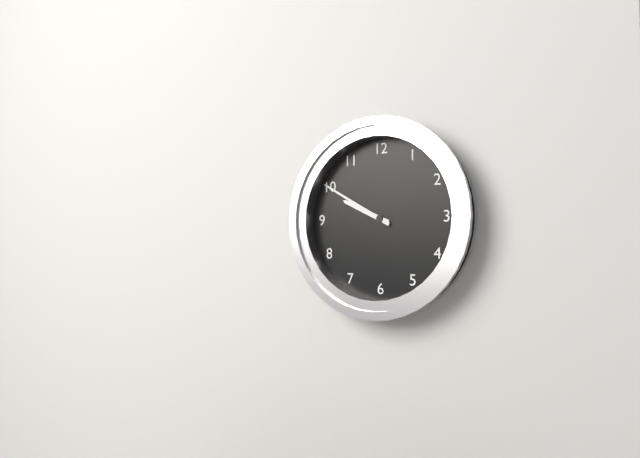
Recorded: h=9 m=50
